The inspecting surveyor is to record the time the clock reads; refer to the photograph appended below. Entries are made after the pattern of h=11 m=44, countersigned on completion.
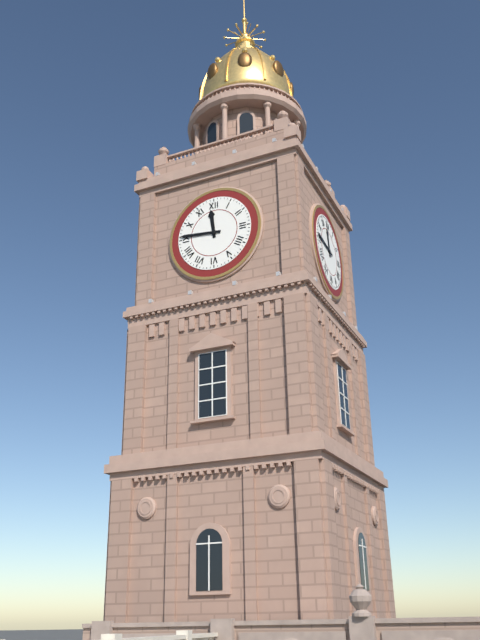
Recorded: h=11 m=46
